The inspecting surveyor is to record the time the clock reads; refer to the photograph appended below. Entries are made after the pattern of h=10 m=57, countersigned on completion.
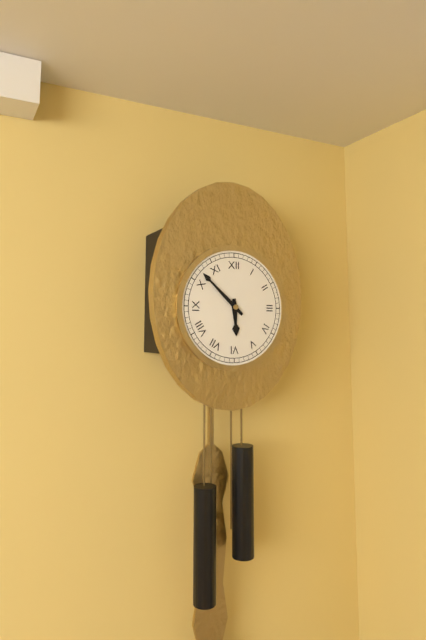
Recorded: h=5 m=52
